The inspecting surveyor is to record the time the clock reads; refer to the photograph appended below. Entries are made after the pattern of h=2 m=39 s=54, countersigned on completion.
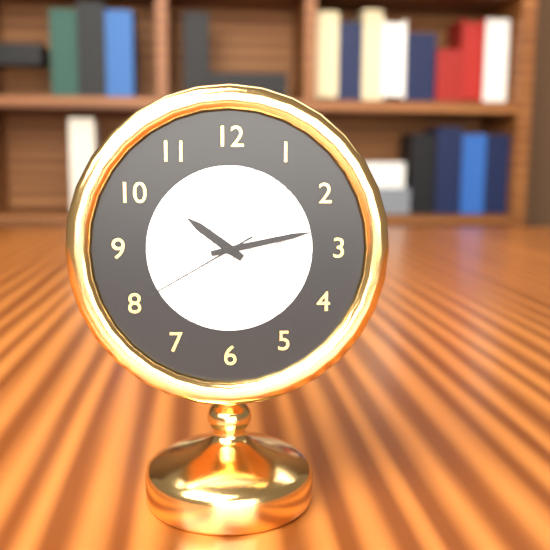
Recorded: h=10 m=13 s=40
